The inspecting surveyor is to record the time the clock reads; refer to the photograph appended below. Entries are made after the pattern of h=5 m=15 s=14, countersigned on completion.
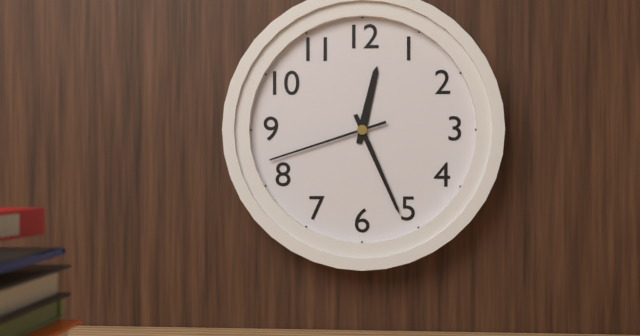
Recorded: h=12 m=26 s=42
